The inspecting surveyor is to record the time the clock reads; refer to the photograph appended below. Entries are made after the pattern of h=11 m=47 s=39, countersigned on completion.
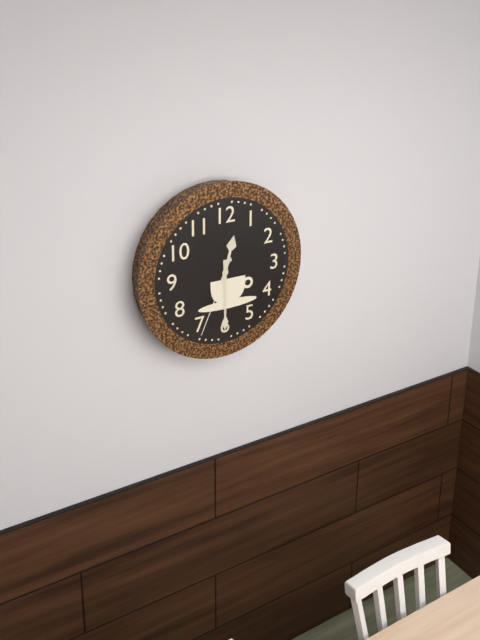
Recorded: h=12 m=30 s=34
